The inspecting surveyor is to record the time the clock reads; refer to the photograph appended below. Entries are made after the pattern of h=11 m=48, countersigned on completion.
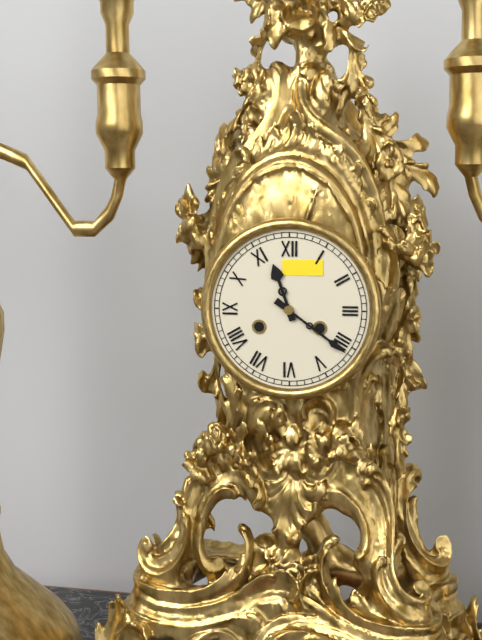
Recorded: h=11 m=21
